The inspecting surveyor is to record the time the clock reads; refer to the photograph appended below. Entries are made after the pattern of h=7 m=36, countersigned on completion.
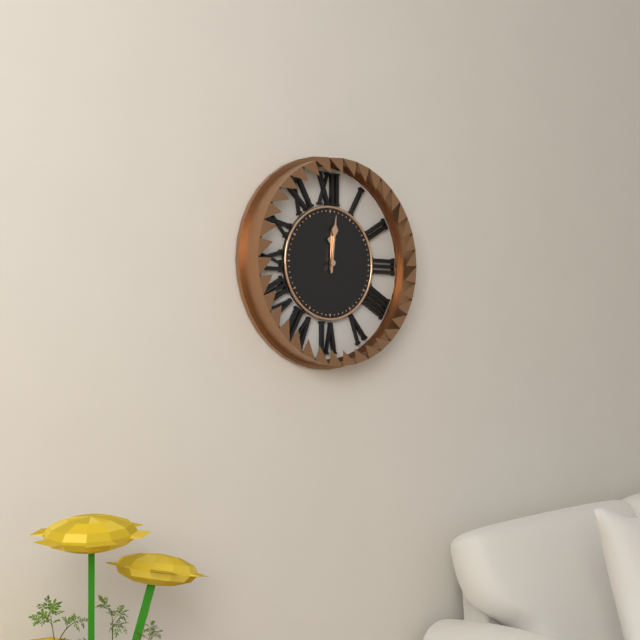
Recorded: h=12 m=1
